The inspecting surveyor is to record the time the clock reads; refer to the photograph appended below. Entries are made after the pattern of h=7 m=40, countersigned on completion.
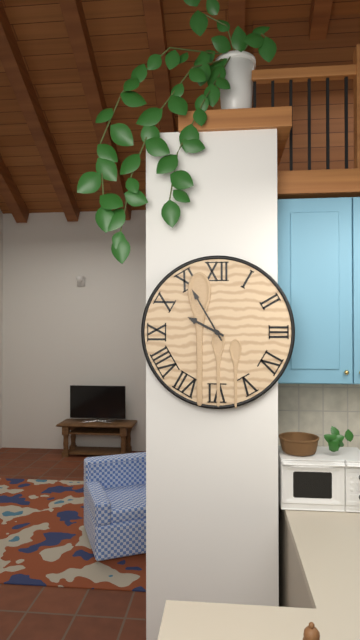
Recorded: h=9 m=55
